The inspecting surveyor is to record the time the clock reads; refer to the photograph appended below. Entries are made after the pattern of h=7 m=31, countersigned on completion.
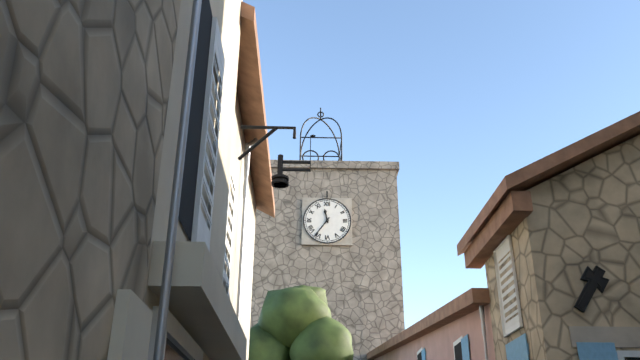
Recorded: h=11 m=36
